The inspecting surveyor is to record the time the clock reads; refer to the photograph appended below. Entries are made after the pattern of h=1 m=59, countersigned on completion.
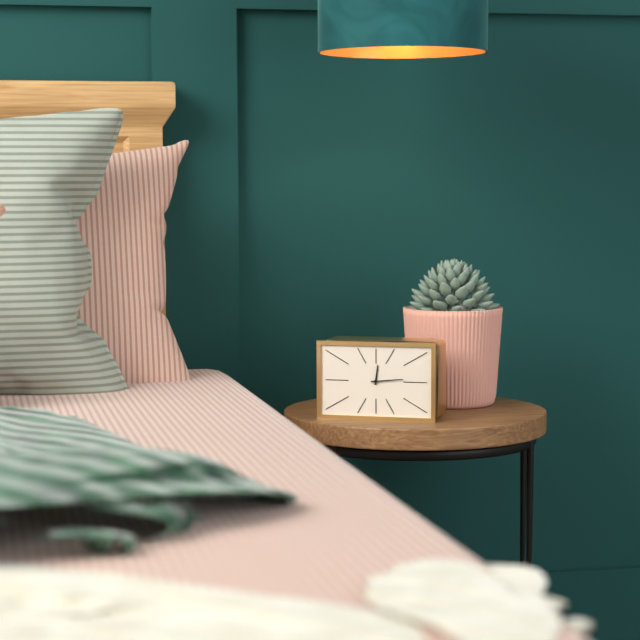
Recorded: h=12 m=14
